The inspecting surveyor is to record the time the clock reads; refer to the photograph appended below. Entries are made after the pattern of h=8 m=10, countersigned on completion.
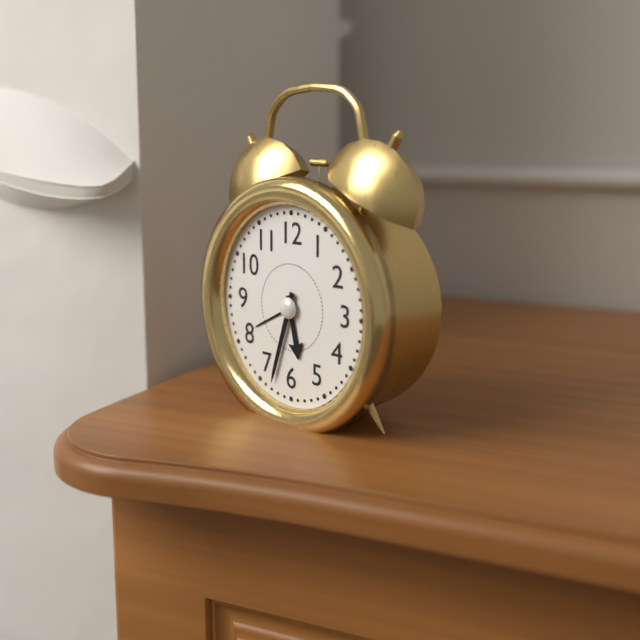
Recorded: h=5 m=33
